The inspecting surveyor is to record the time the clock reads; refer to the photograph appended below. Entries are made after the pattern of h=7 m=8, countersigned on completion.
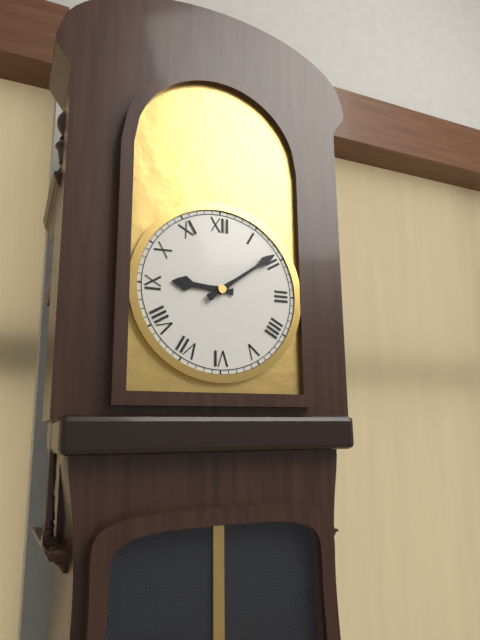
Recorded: h=9 m=9
